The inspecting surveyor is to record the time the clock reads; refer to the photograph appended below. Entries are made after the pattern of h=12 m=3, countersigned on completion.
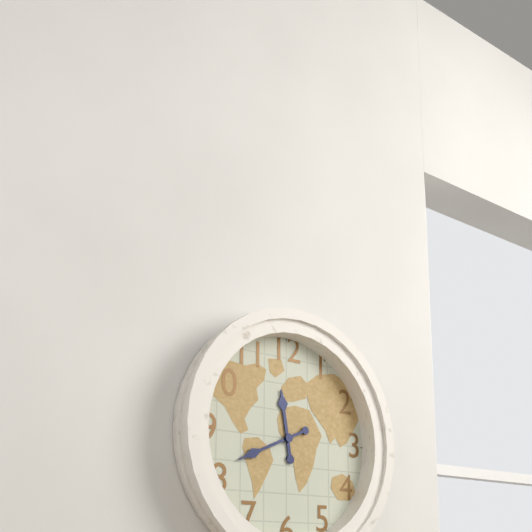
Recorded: h=11 m=41
